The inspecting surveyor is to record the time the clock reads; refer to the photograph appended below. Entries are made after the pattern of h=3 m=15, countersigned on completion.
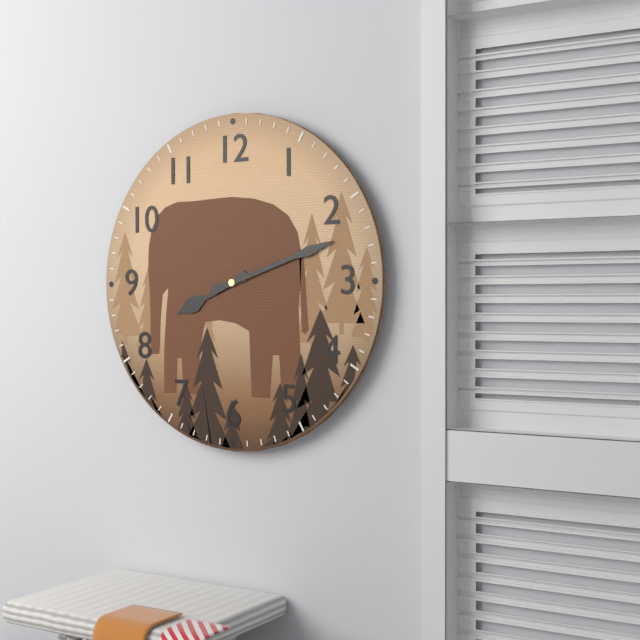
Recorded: h=8 m=12
